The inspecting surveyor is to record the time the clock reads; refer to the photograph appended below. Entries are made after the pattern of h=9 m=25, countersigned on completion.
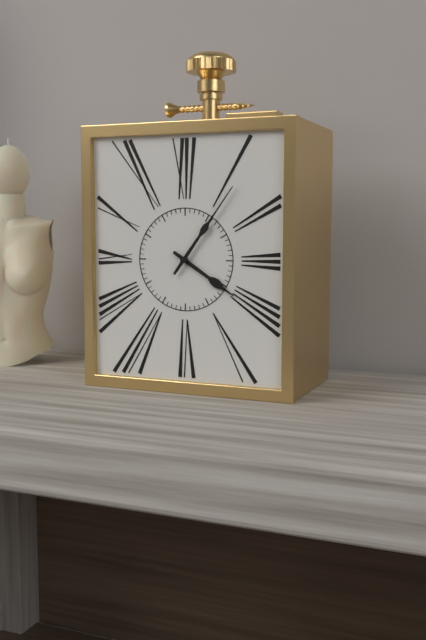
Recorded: h=4 m=6
